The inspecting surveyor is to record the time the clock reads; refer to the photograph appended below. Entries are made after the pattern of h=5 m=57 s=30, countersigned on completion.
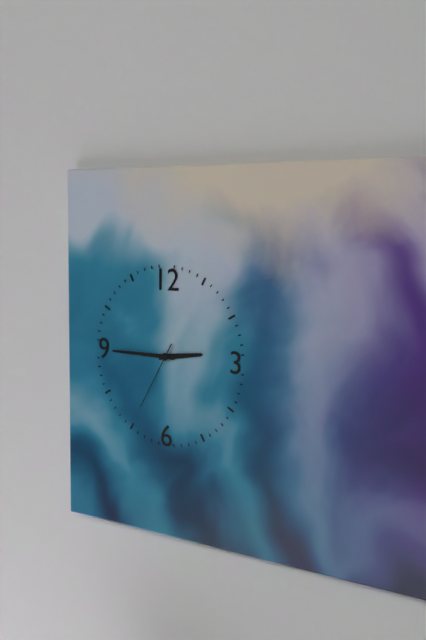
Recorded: h=2 m=45 s=35
